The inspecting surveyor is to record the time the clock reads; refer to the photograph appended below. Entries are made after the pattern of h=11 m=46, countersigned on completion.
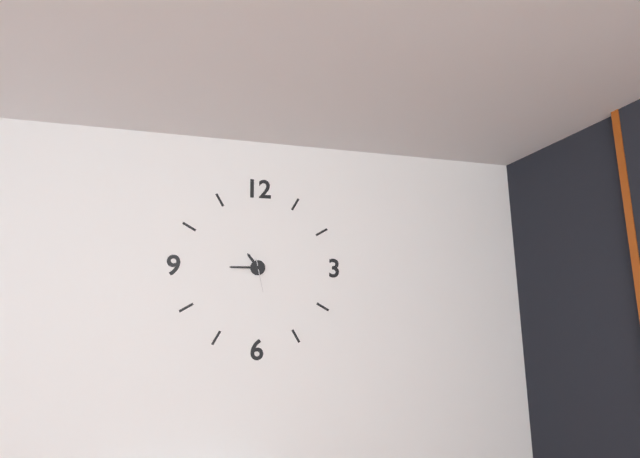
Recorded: h=10 m=45
